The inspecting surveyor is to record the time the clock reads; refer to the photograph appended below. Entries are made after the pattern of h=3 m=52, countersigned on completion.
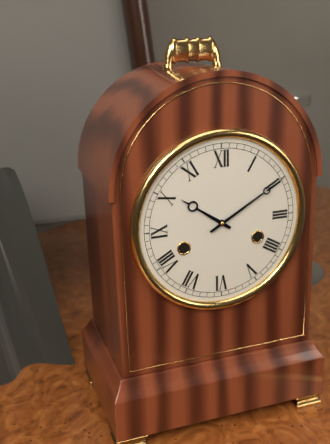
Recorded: h=10 m=10
